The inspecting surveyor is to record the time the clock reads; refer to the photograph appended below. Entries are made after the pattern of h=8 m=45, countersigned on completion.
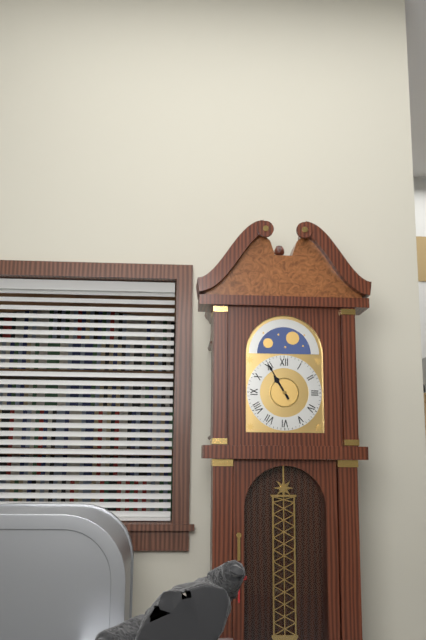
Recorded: h=10 m=55
